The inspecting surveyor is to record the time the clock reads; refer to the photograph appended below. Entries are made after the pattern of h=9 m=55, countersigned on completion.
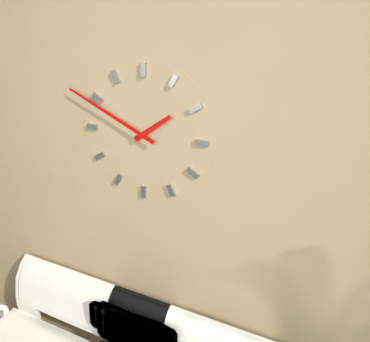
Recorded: h=1 m=49
